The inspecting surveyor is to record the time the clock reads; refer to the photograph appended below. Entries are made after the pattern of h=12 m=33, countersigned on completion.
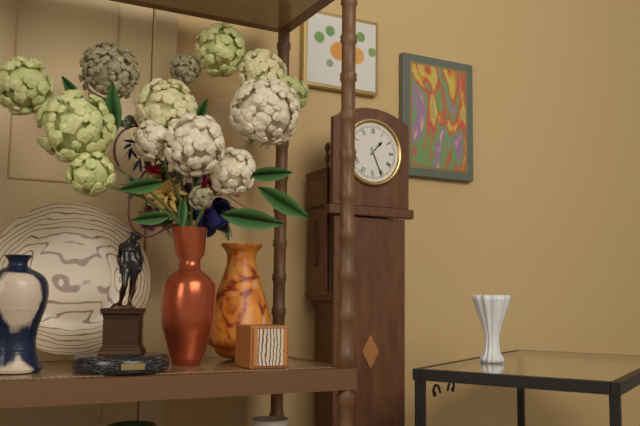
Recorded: h=1 m=26
